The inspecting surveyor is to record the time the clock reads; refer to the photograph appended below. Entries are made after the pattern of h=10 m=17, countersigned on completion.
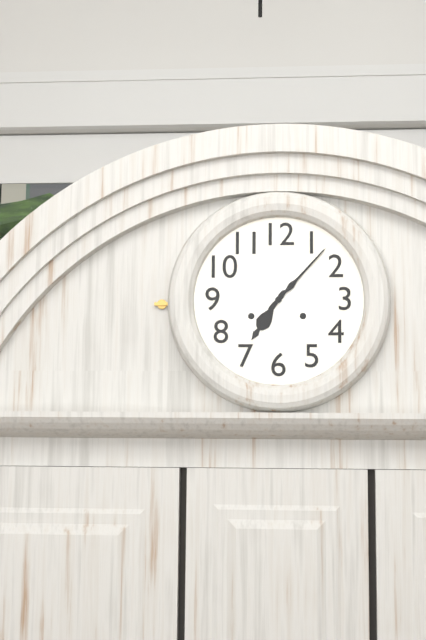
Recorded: h=7 m=7
